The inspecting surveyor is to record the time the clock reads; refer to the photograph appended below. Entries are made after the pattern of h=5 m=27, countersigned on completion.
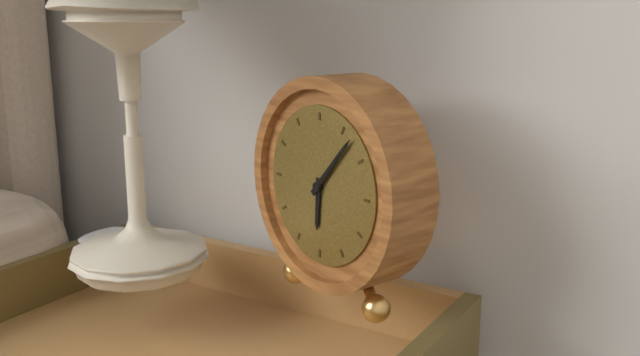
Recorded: h=6 m=7
